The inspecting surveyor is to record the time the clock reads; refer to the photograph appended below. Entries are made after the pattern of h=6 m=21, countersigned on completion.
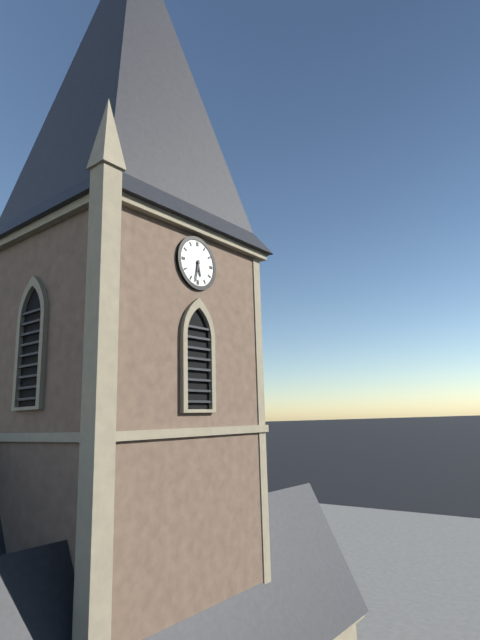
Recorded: h=5 m=32
